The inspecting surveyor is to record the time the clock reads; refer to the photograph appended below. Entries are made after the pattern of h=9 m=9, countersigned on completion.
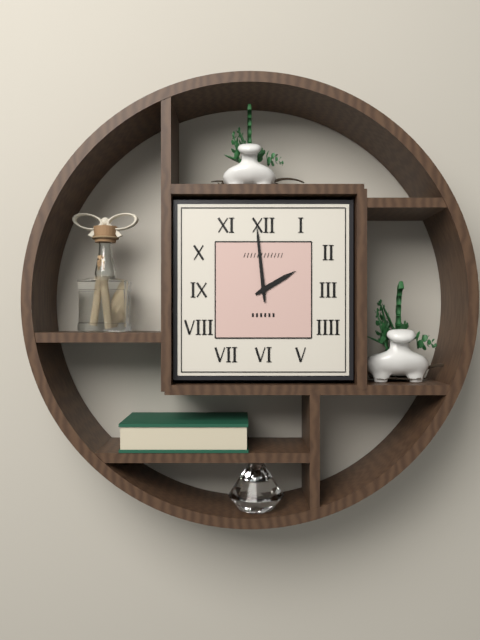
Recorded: h=1 m=59
